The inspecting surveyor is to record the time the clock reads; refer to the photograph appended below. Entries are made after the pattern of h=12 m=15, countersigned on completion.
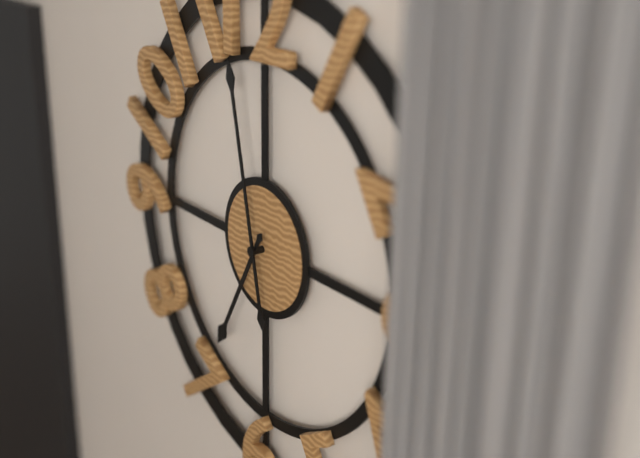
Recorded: h=6 m=58
